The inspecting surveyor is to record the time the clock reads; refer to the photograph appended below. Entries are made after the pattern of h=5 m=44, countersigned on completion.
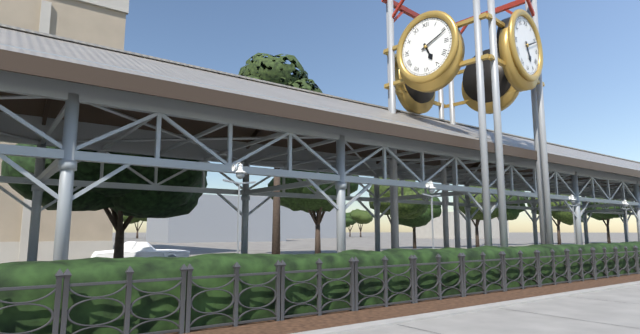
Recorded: h=5 m=11
